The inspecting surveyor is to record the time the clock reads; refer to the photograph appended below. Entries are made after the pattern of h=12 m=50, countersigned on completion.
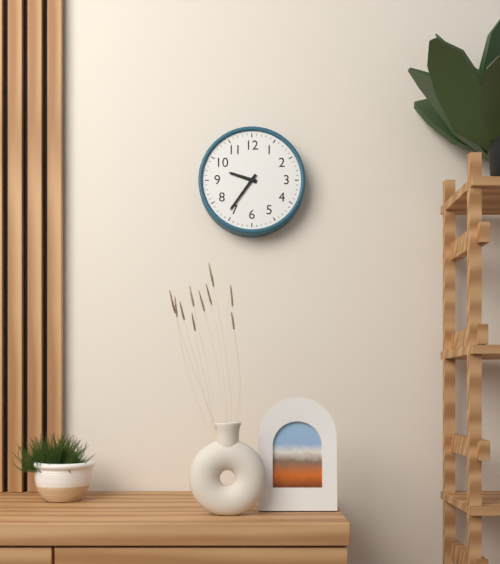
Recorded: h=9 m=36
